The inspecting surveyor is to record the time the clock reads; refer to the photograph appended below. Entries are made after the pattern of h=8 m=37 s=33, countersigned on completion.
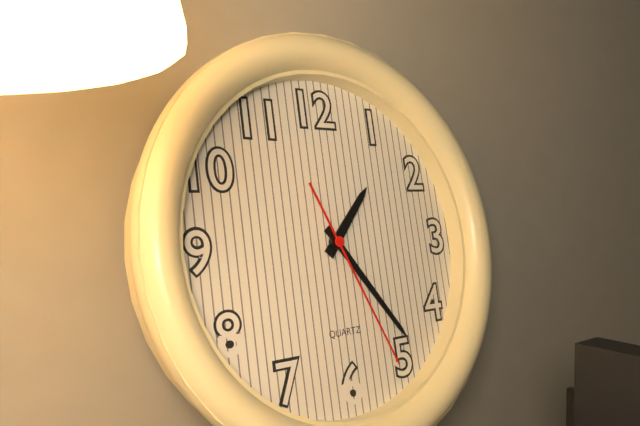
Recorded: h=1 m=24 s=26
